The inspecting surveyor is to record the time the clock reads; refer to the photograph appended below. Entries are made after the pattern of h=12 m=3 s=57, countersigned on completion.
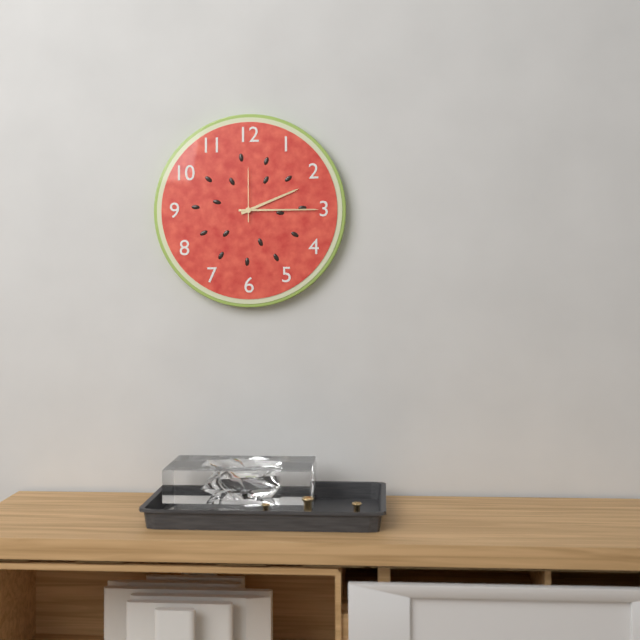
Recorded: h=2 m=15 s=0
